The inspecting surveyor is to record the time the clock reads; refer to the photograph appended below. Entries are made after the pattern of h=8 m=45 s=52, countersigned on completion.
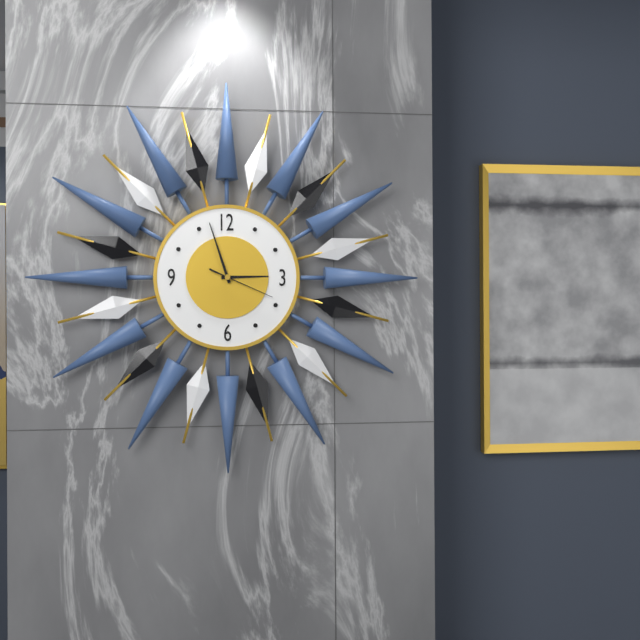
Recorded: h=2 m=57 s=19
